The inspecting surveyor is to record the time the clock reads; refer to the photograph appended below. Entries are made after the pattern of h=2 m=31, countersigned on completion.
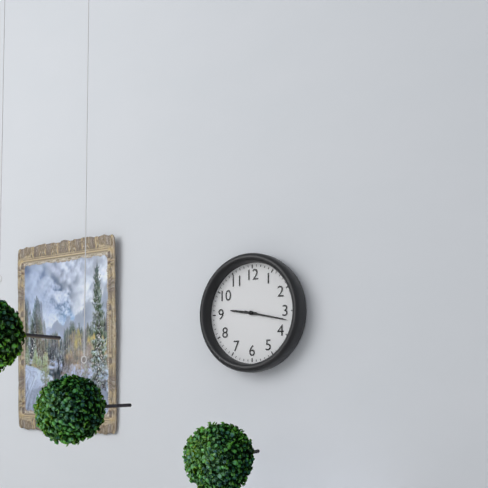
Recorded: h=9 m=17
